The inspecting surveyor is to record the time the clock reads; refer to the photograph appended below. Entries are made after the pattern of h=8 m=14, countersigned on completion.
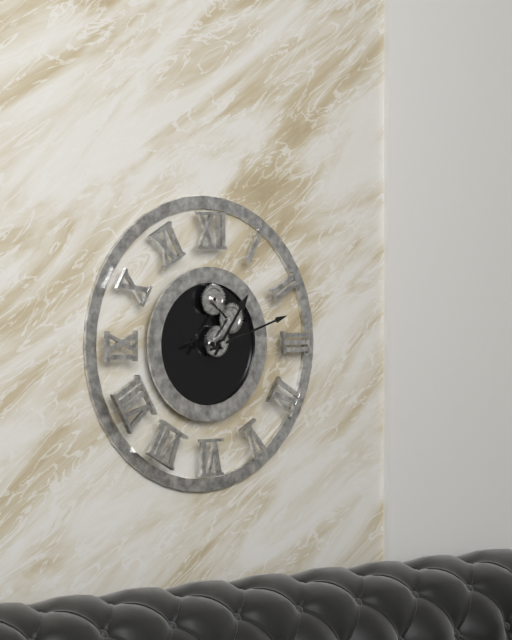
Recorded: h=1 m=12
